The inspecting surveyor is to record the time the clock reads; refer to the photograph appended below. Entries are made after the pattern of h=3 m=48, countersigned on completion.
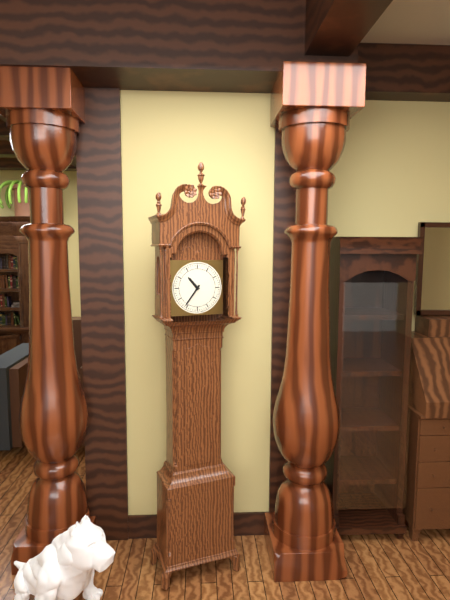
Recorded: h=10 m=36
